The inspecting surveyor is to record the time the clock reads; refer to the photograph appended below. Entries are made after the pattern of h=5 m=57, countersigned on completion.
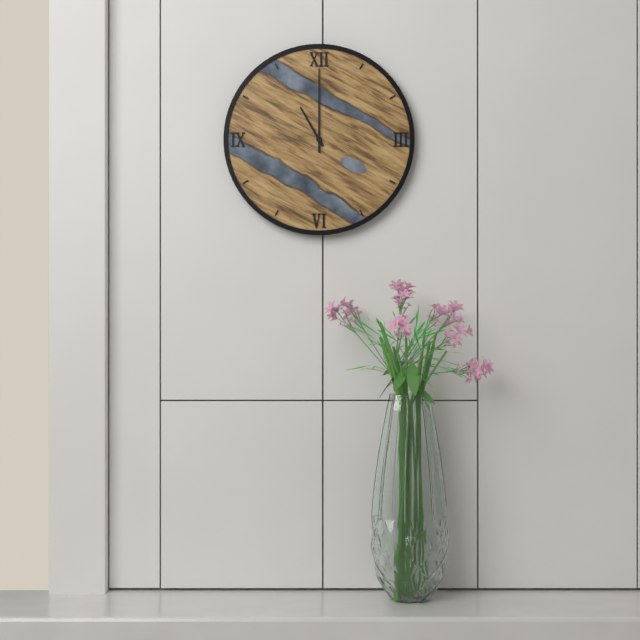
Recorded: h=11 m=0
